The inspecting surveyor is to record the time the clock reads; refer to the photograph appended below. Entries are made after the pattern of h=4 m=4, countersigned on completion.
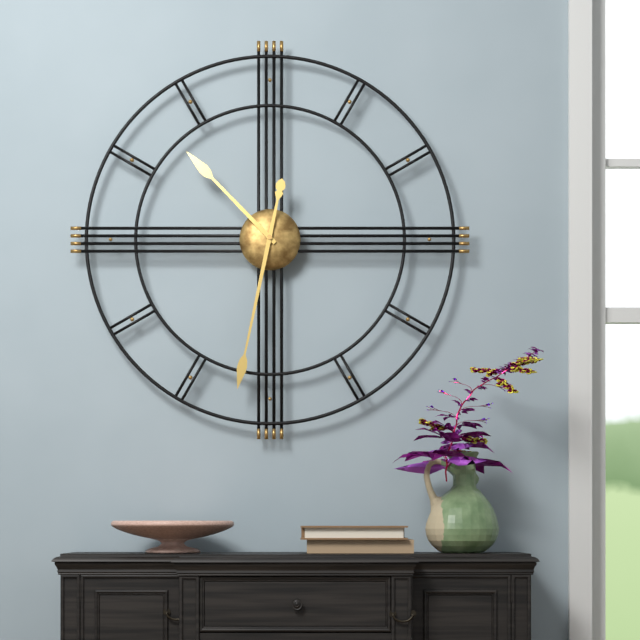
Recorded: h=10 m=32
